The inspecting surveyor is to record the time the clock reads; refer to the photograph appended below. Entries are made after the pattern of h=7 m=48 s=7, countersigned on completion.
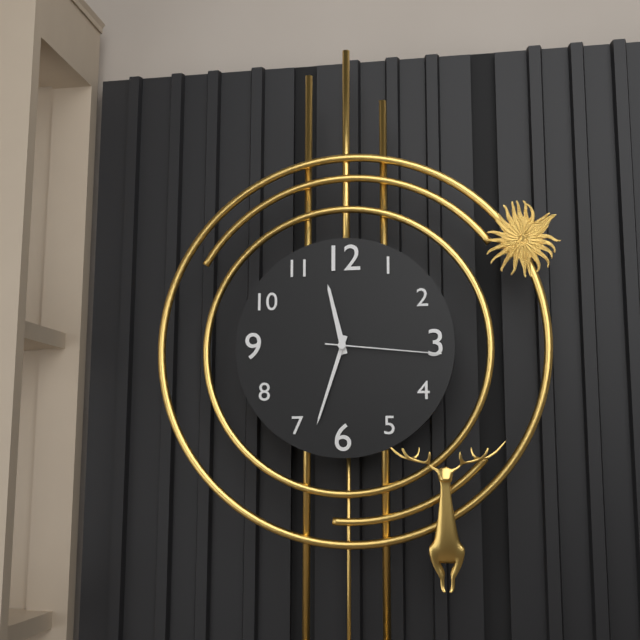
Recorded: h=11 m=33 s=16
